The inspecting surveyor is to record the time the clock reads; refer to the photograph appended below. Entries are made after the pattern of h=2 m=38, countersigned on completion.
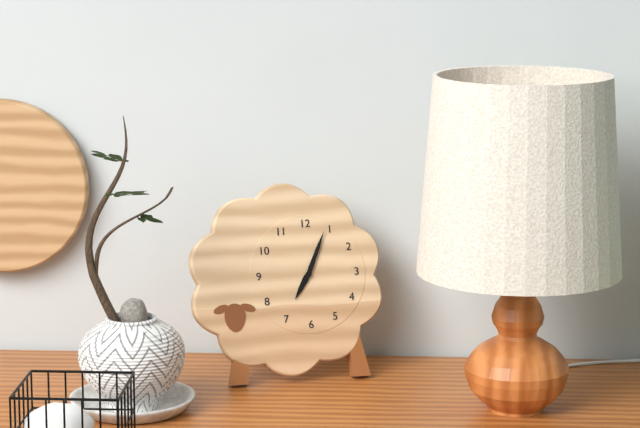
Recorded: h=7 m=4
